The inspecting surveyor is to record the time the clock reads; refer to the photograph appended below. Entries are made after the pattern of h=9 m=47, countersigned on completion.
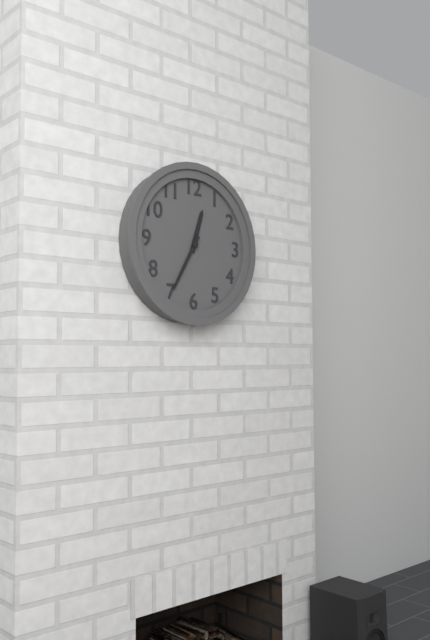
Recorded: h=12 m=35
